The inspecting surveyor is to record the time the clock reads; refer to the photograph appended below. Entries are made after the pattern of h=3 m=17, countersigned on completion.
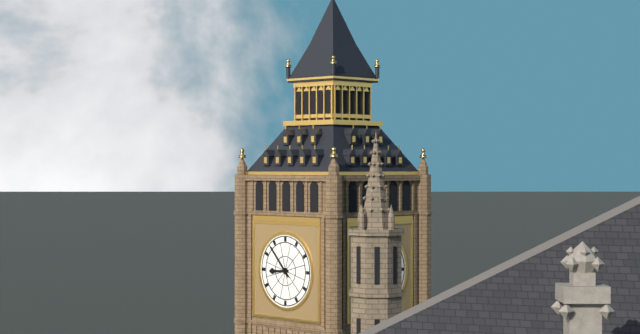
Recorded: h=8 m=53
